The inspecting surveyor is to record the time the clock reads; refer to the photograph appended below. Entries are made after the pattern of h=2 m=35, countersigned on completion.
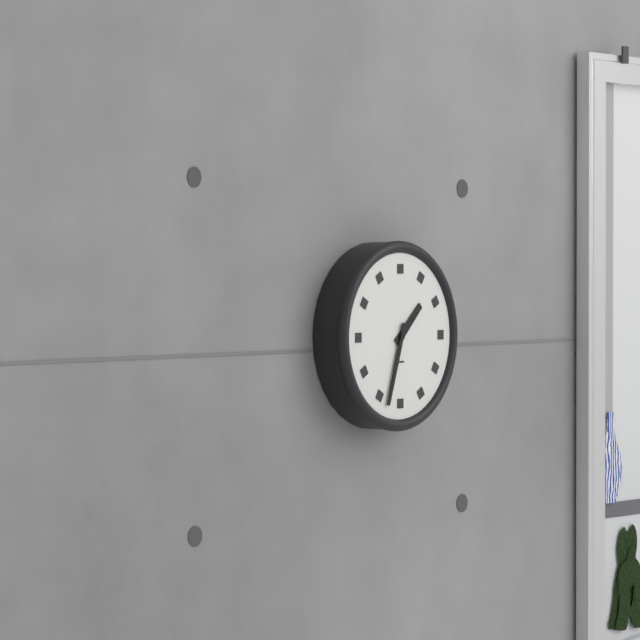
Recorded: h=1 m=33
